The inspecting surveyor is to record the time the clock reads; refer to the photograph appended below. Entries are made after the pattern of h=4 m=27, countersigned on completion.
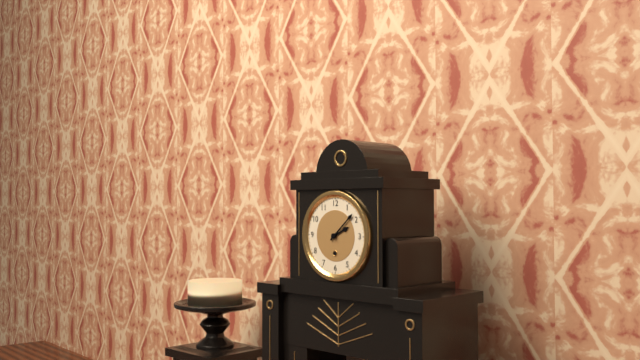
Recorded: h=2 m=8
